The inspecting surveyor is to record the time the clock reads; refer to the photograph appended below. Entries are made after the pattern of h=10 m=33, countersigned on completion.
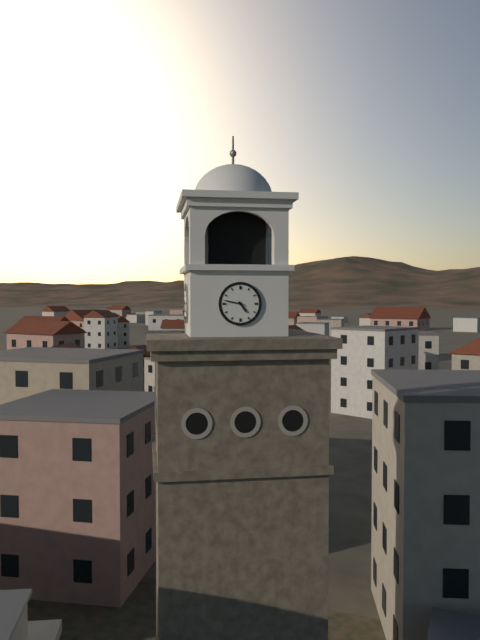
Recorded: h=4 m=47
